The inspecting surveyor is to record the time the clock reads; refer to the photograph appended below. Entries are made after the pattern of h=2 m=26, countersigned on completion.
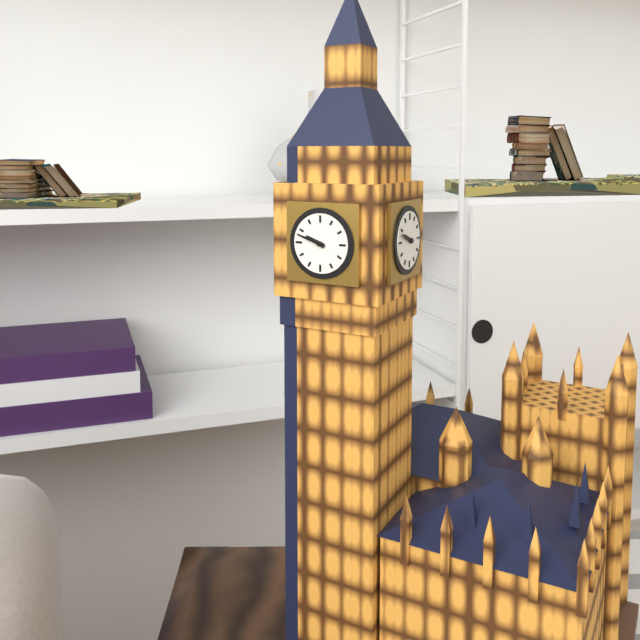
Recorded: h=9 m=48
